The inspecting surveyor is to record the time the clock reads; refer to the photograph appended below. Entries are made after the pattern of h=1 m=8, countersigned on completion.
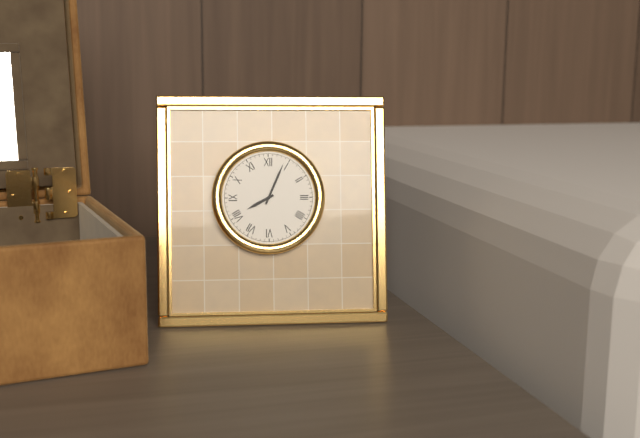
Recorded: h=8 m=4
